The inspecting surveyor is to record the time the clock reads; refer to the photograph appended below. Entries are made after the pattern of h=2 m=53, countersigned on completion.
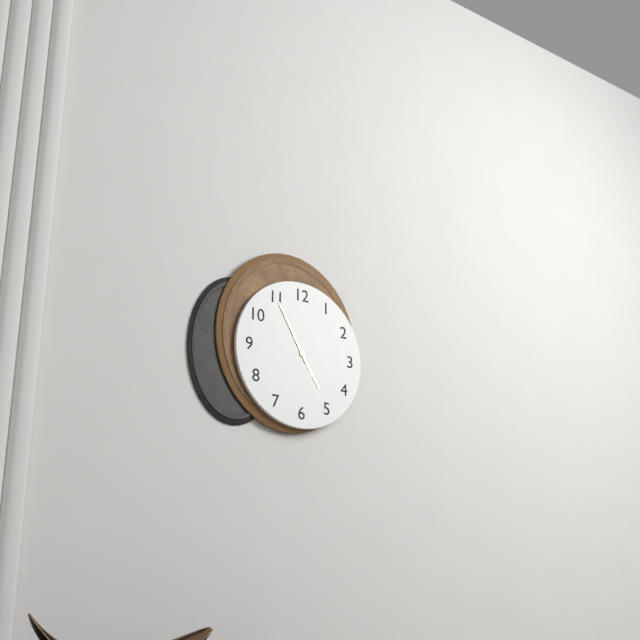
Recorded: h=4 m=55
